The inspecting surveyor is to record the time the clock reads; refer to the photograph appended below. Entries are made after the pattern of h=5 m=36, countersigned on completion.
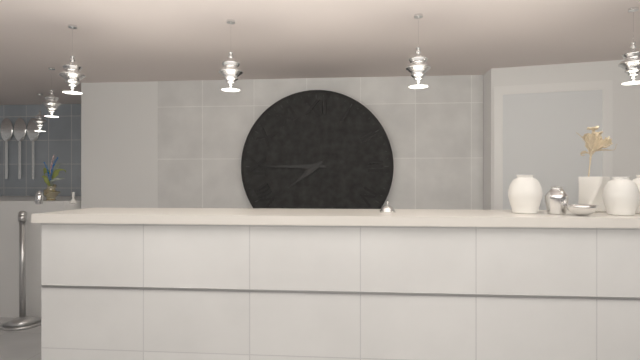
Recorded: h=7 m=45
